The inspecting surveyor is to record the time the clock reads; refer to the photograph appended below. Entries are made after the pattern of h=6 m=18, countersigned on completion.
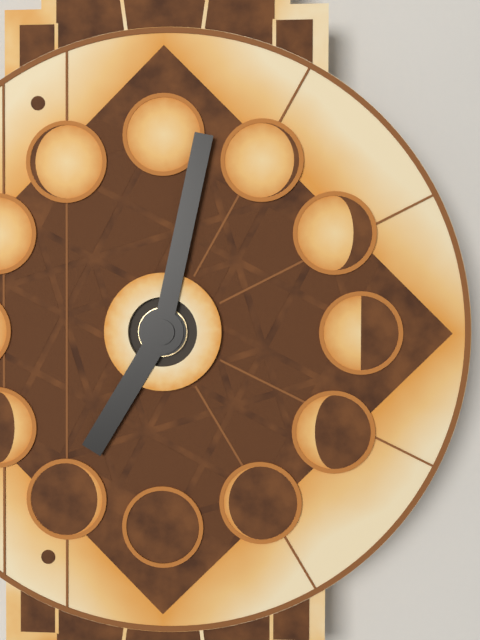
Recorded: h=7 m=2
